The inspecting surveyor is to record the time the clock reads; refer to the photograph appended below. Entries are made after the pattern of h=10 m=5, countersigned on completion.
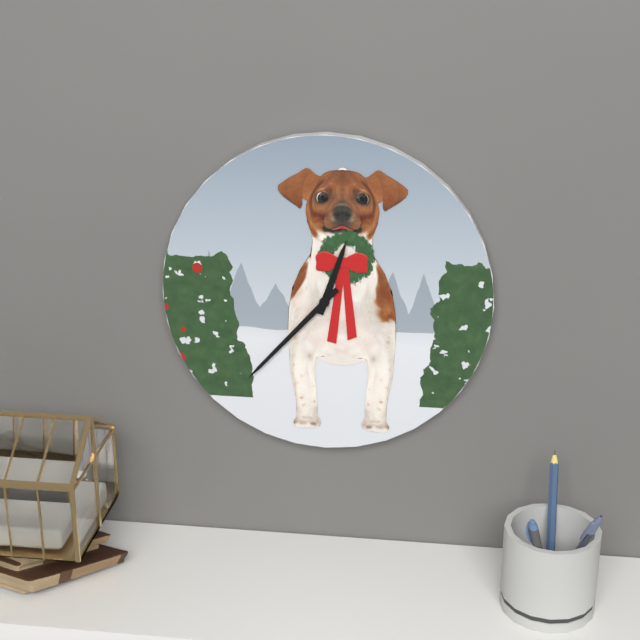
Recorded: h=12 m=37
